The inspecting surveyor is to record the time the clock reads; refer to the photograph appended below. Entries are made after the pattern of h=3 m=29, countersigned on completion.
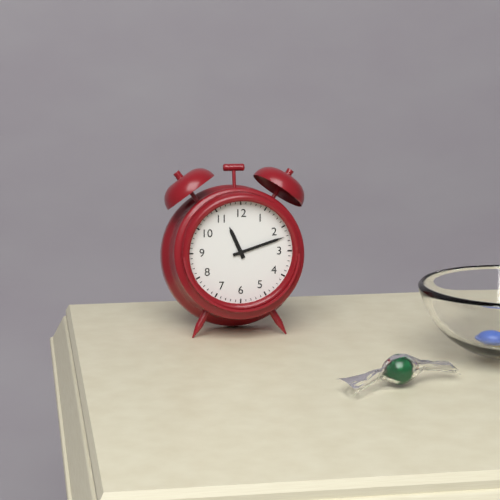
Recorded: h=11 m=12
